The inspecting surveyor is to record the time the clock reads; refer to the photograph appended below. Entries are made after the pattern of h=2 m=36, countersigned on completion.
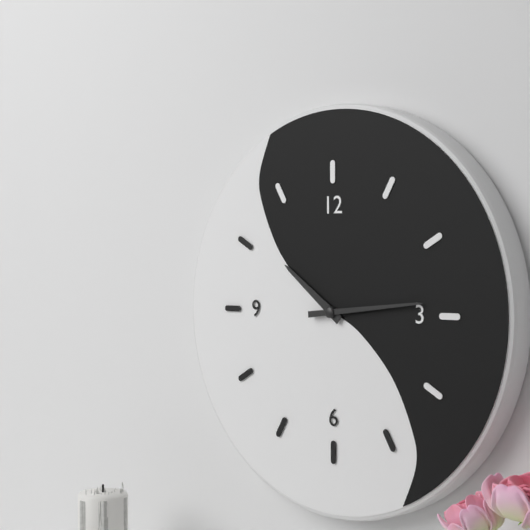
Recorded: h=10 m=14
